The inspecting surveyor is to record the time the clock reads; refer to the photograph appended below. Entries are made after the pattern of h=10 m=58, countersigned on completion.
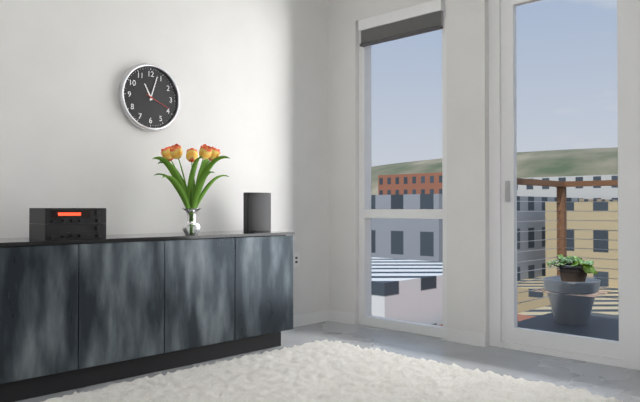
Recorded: h=11 m=3
